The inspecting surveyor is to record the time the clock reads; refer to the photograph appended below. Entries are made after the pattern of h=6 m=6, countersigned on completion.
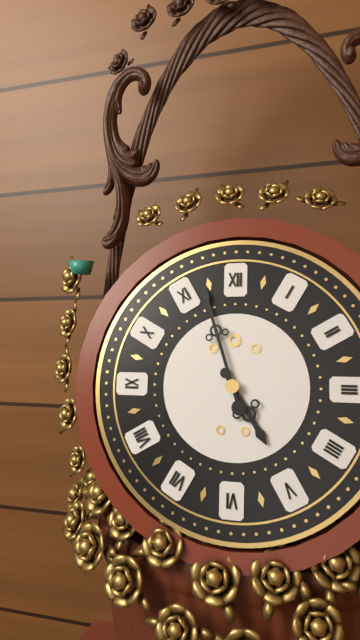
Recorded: h=4 m=57
